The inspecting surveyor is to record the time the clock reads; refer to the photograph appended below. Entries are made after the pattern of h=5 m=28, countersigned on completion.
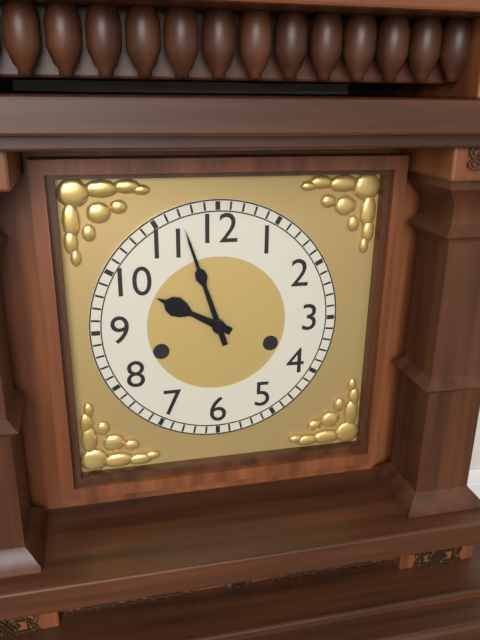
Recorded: h=9 m=57
